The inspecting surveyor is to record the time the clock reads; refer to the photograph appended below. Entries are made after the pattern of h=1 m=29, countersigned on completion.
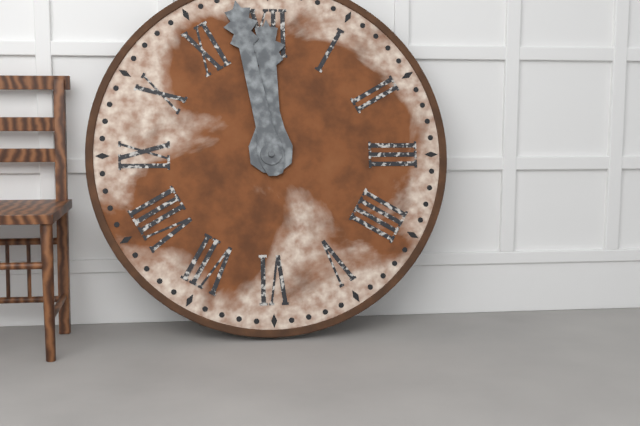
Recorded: h=11 m=58
